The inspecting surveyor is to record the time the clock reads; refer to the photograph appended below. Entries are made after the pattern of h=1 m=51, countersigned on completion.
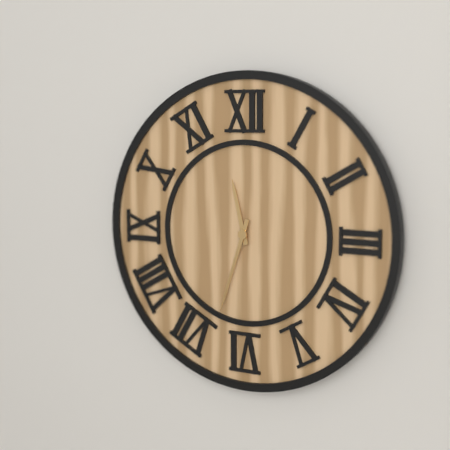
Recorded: h=11 m=33
